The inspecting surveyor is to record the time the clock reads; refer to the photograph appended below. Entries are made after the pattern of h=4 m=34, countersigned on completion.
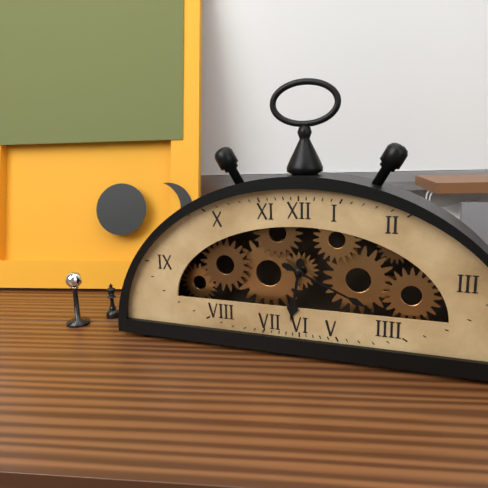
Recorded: h=6 m=19
